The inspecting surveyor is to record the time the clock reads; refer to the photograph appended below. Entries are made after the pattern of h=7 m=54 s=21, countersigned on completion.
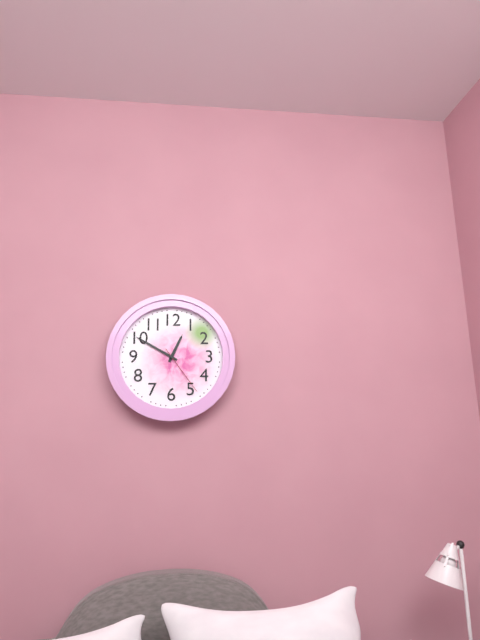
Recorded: h=12 m=50 s=24
